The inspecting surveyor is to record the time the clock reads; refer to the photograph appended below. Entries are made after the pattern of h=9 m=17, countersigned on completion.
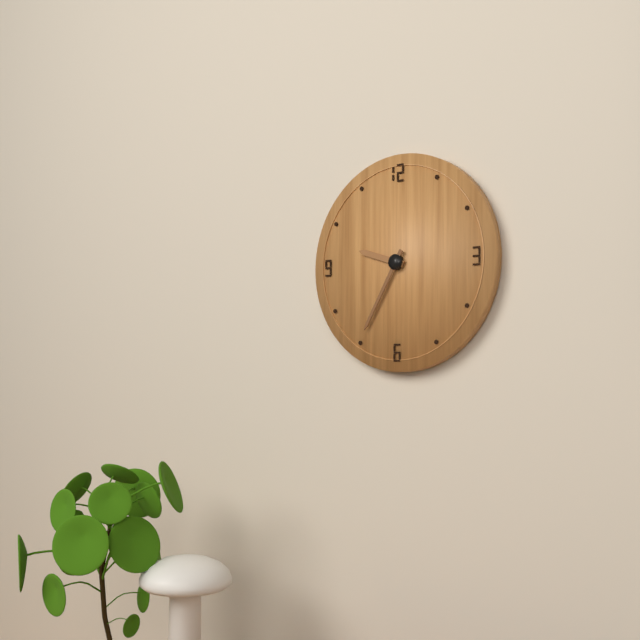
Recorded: h=9 m=35
